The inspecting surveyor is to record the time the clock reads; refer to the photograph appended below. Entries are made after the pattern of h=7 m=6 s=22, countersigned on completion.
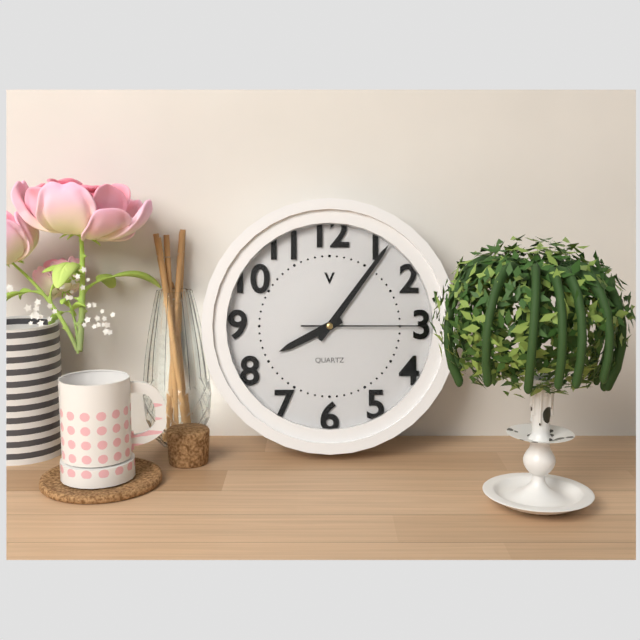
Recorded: h=8 m=6 s=15
